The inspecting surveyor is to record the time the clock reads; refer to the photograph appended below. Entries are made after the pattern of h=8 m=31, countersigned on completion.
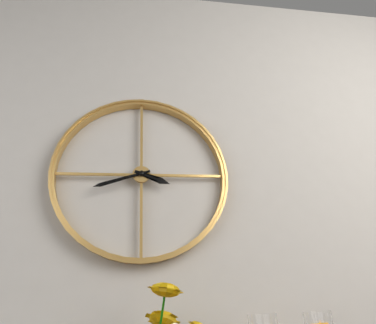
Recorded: h=3 m=42
